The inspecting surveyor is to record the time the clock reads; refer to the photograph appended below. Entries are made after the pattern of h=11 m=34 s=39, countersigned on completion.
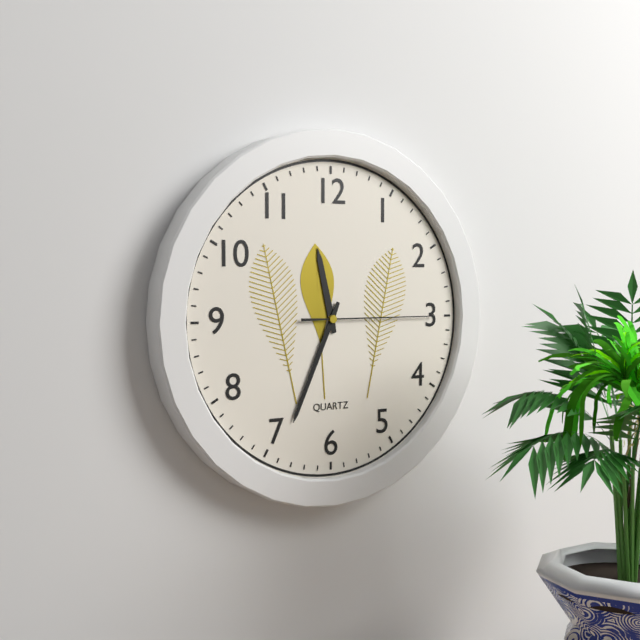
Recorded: h=11 m=34 s=15
